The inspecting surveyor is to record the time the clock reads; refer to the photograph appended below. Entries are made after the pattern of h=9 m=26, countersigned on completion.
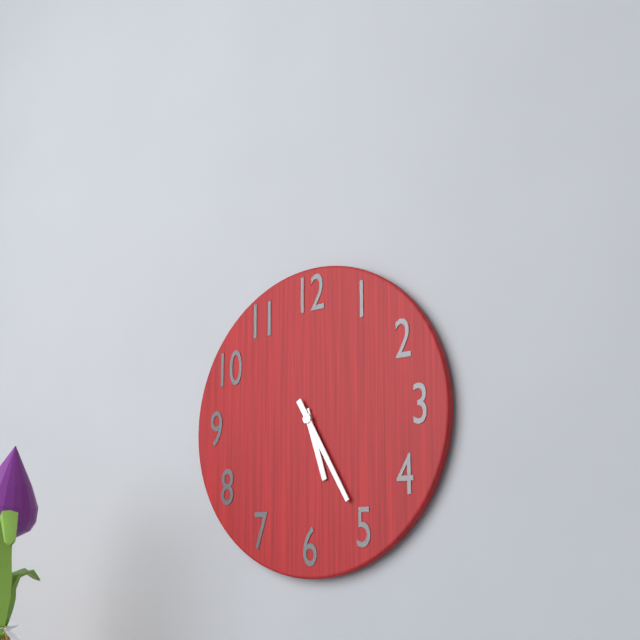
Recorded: h=5 m=25
